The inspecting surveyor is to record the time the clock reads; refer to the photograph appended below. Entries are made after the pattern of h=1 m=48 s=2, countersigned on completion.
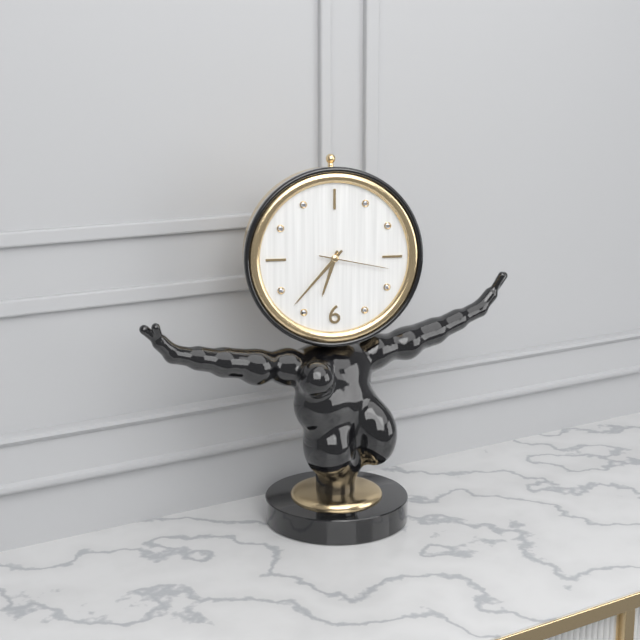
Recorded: h=6 m=37 s=17
